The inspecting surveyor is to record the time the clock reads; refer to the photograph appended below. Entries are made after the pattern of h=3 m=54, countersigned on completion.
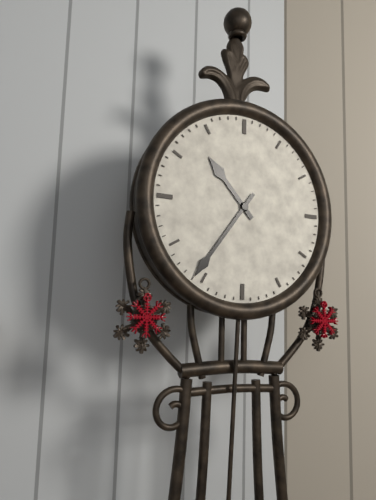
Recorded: h=10 m=36
